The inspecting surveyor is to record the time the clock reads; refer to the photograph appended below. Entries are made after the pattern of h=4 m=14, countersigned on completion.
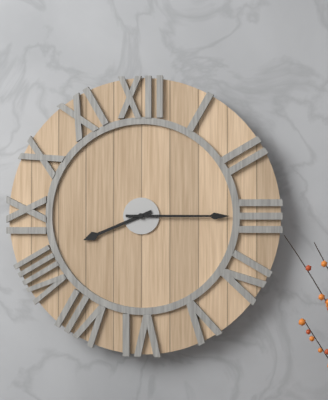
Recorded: h=8 m=15
